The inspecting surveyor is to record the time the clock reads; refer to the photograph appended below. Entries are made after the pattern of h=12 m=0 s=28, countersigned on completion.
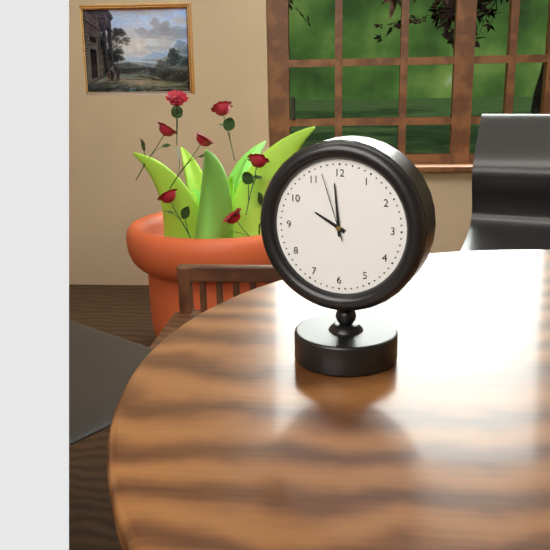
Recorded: h=9 m=59 s=57
